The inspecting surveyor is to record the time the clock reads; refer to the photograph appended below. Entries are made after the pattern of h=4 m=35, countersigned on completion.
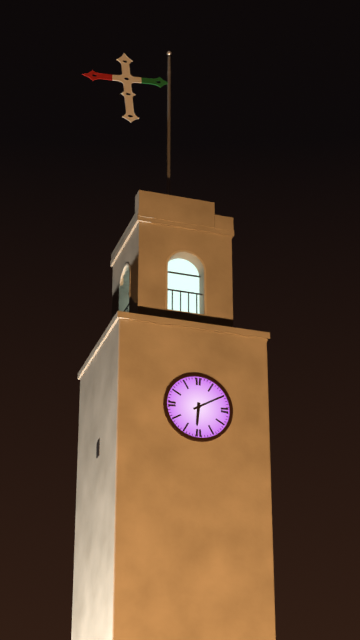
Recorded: h=6 m=10
